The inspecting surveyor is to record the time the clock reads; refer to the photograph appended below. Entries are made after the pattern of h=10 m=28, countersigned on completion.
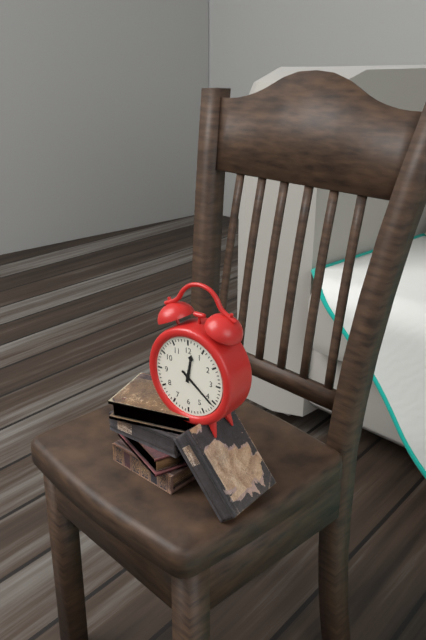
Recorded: h=12 m=21
